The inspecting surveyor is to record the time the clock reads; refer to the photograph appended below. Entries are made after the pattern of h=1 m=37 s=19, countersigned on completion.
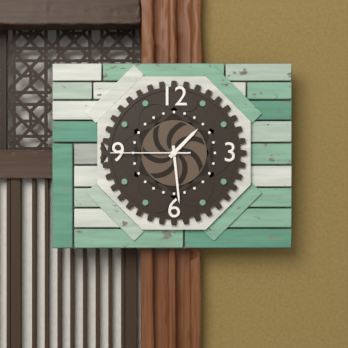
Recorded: h=1 m=29 s=45
